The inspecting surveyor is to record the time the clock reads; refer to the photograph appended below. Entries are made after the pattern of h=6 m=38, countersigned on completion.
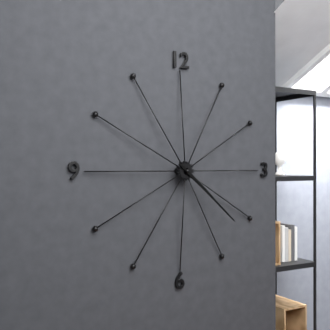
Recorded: h=4 m=22
